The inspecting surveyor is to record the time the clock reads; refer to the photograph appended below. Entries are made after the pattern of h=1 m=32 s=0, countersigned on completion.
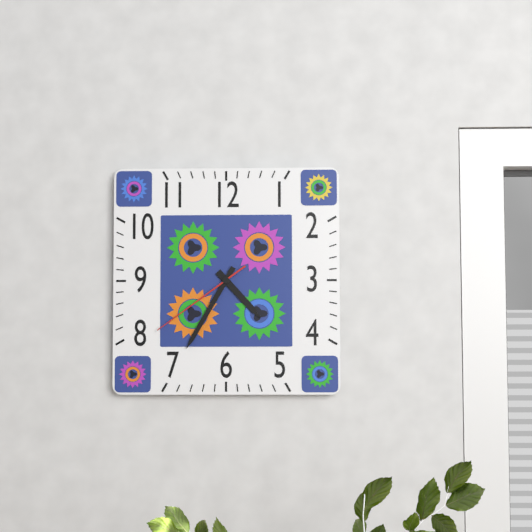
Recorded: h=4 m=35 s=39
